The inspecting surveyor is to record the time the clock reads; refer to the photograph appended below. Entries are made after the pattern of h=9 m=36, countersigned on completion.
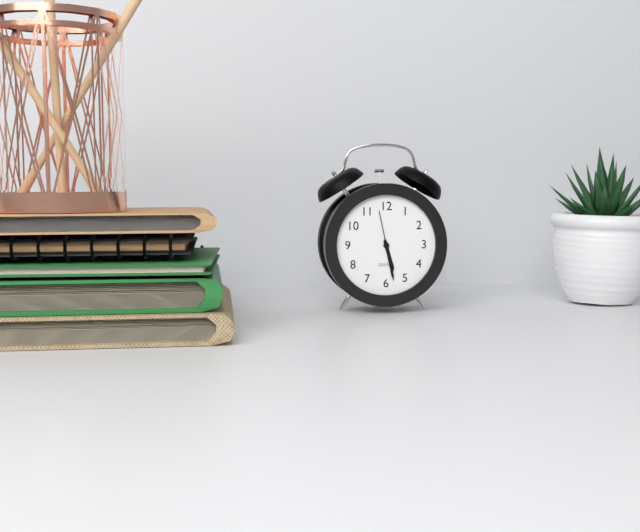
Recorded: h=5 m=28
